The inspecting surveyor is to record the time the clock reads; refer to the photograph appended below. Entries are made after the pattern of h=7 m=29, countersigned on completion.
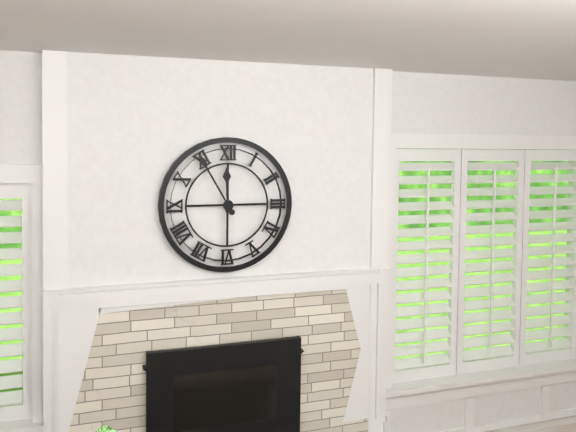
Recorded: h=11 m=55
